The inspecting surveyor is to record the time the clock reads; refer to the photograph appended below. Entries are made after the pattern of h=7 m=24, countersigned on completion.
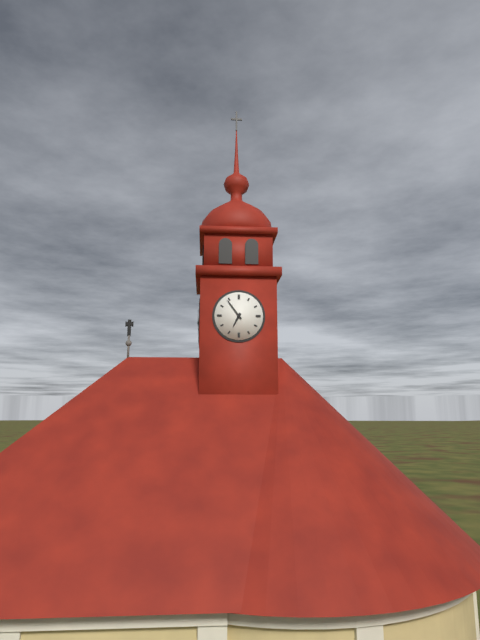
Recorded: h=6 m=54
